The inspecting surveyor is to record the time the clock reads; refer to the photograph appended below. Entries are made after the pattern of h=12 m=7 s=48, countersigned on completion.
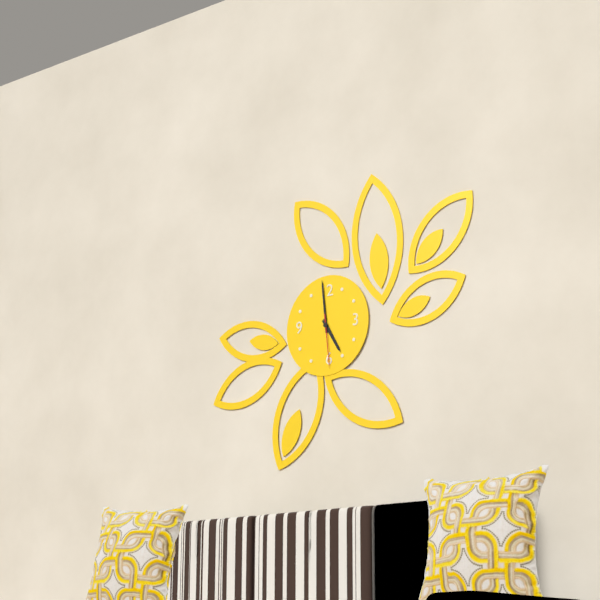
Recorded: h=4 m=59 s=29
